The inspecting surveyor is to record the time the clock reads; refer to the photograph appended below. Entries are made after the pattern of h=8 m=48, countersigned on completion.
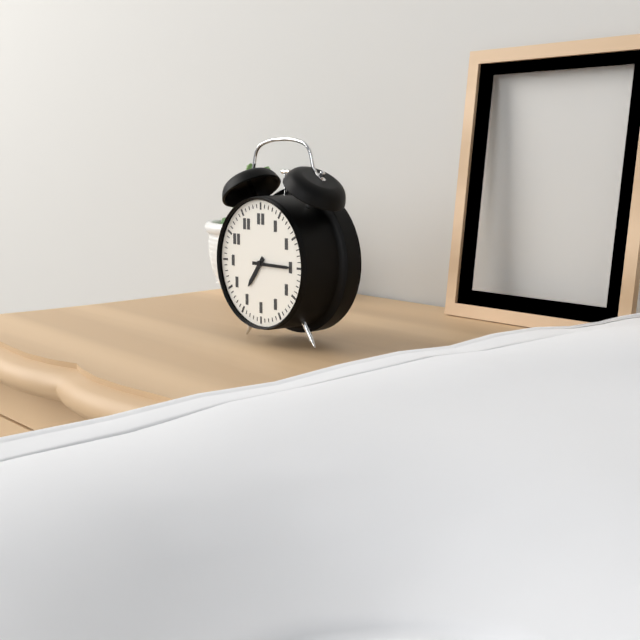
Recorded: h=7 m=15
